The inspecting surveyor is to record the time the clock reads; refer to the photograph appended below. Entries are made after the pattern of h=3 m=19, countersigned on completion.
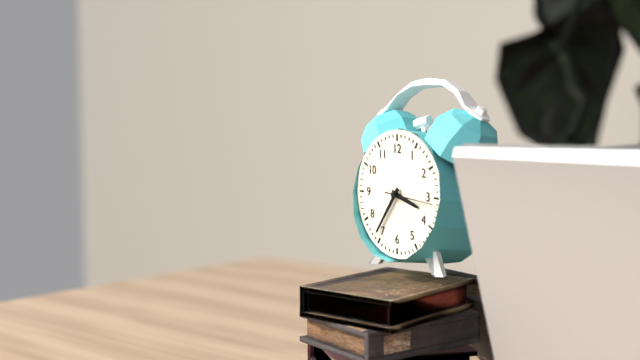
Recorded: h=3 m=36
